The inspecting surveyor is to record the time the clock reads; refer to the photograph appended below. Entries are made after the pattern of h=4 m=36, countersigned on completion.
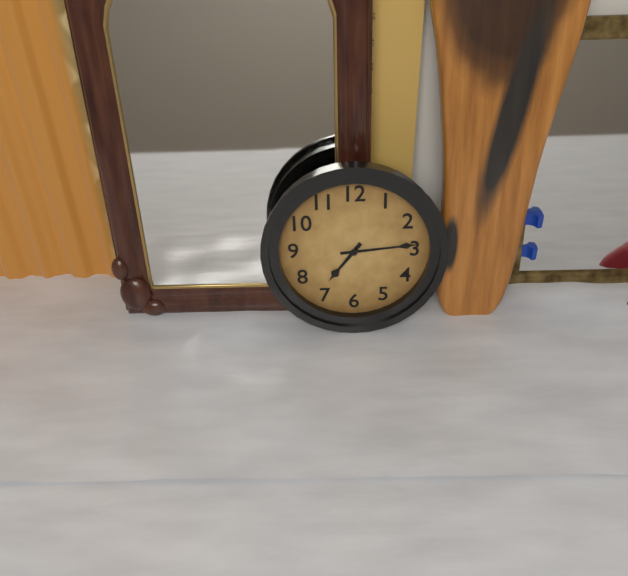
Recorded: h=7 m=14
